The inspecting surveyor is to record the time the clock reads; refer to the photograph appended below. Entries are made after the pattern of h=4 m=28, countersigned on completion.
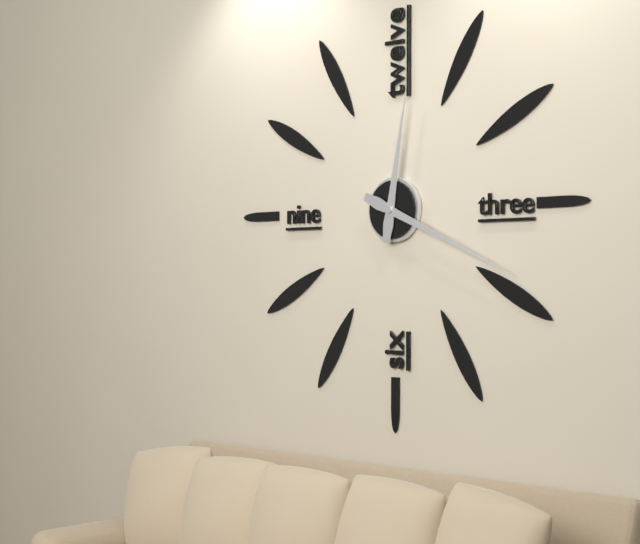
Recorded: h=12 m=19
